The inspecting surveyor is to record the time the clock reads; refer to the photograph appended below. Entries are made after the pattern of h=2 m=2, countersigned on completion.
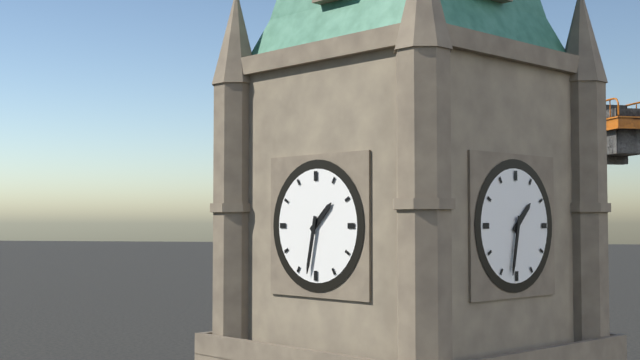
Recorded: h=1 m=32
